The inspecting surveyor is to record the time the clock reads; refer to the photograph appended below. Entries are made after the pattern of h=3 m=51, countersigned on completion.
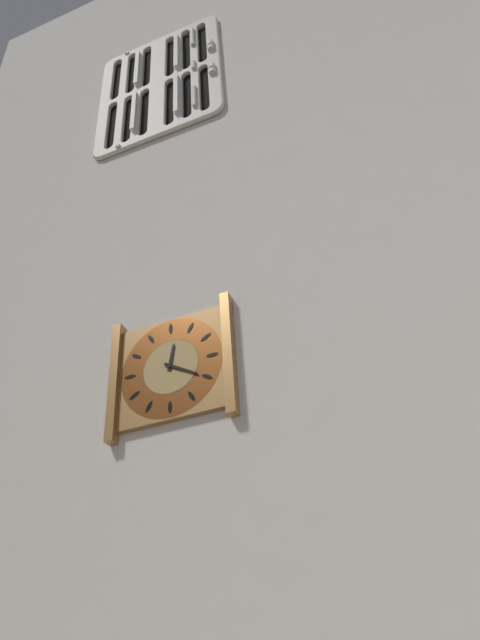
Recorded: h=12 m=20
